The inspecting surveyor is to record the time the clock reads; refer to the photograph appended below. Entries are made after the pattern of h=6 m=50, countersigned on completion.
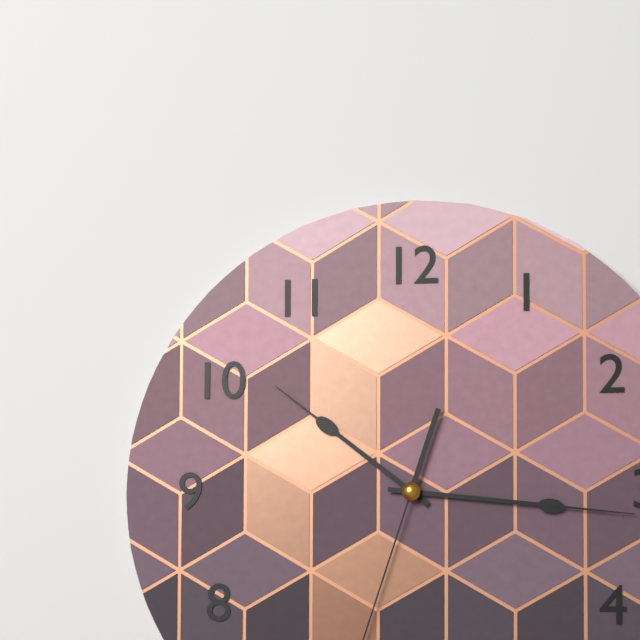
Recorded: h=10 m=16
